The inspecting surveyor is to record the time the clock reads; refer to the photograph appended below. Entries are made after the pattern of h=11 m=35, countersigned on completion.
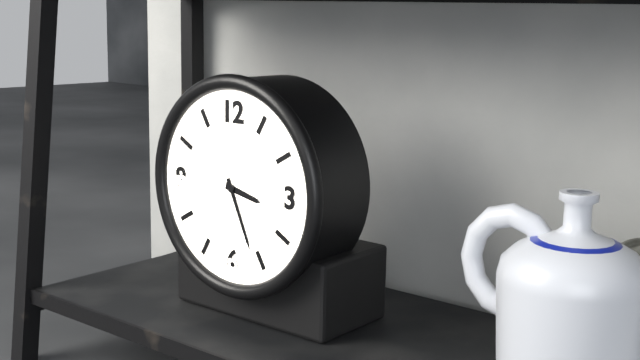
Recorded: h=3 m=26
